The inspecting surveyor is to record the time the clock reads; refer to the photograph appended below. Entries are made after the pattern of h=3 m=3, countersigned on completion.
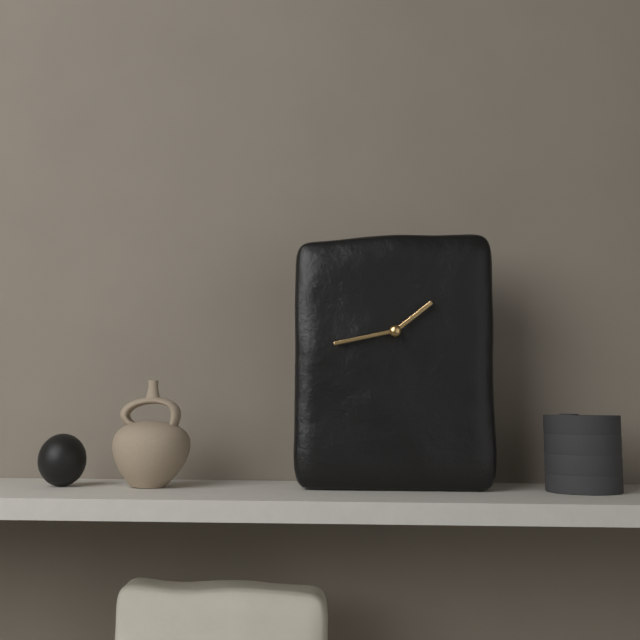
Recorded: h=1 m=43
